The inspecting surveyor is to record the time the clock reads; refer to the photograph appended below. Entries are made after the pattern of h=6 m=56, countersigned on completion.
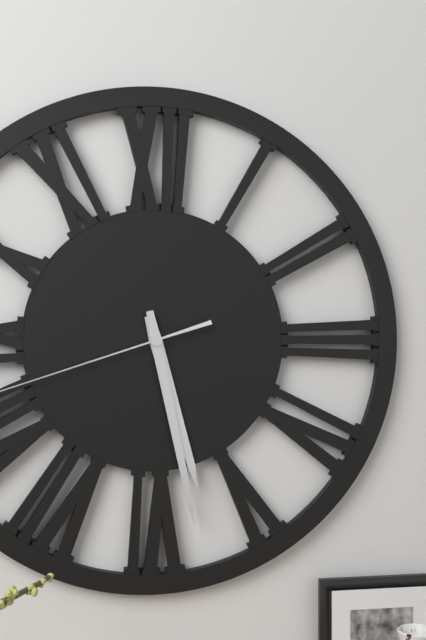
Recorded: h=5 m=28
